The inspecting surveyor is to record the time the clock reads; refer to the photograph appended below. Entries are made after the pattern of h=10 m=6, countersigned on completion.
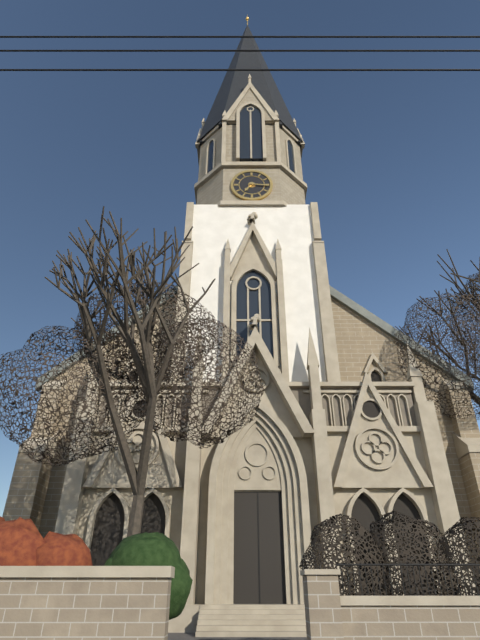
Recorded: h=7 m=16
